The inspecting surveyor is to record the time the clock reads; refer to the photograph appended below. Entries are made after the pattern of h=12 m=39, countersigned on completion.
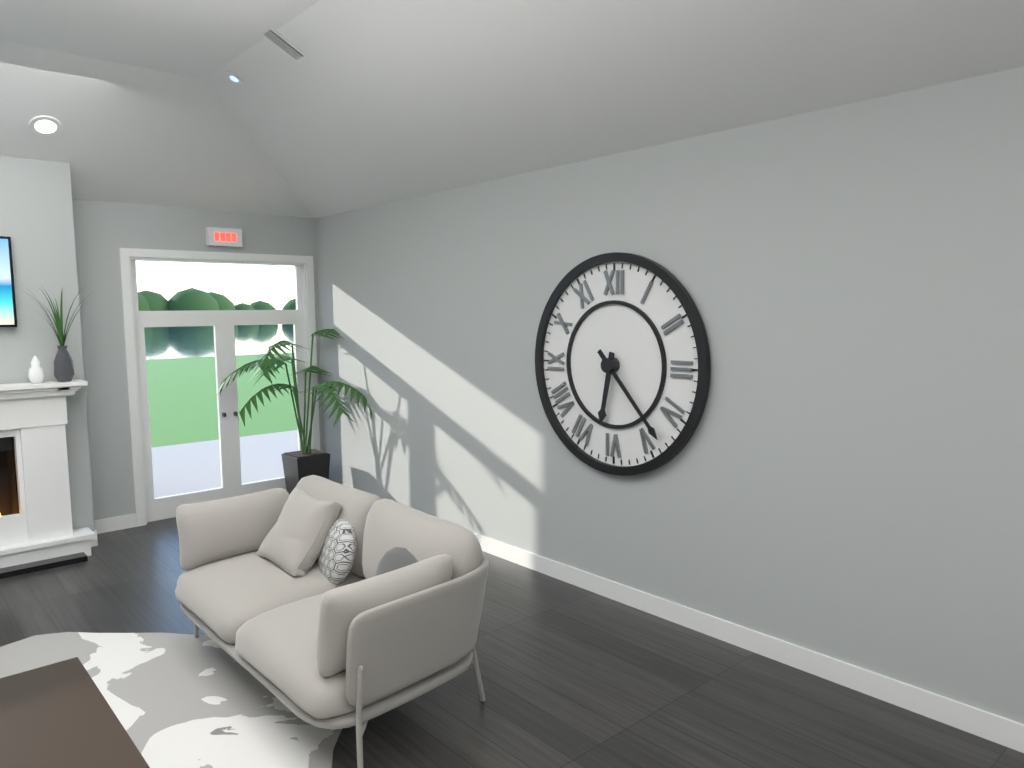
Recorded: h=6 m=23
